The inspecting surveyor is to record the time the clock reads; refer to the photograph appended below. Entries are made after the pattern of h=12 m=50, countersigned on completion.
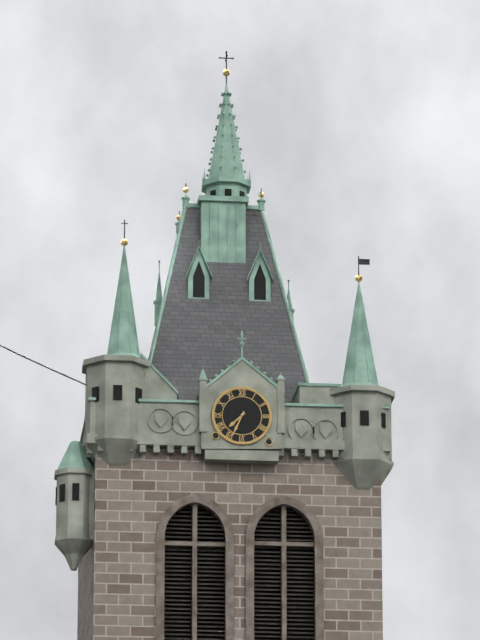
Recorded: h=7 m=34
